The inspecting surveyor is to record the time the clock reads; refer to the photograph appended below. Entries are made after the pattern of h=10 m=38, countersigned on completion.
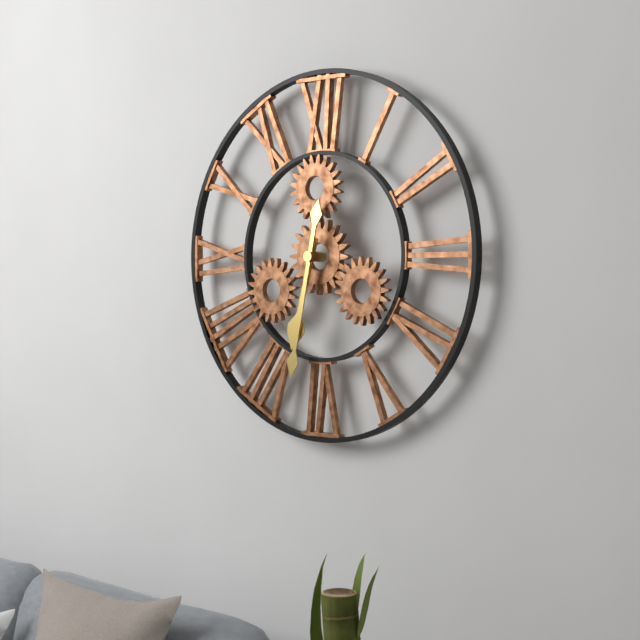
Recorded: h=6 m=32
